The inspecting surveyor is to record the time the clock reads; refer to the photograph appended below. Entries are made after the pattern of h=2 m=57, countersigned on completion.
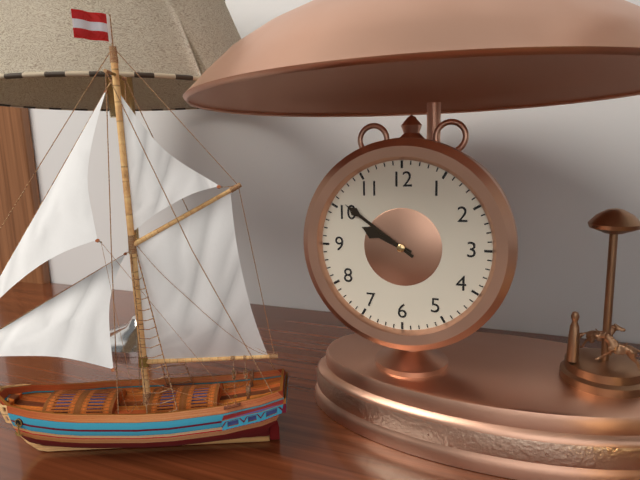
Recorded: h=9 m=51
